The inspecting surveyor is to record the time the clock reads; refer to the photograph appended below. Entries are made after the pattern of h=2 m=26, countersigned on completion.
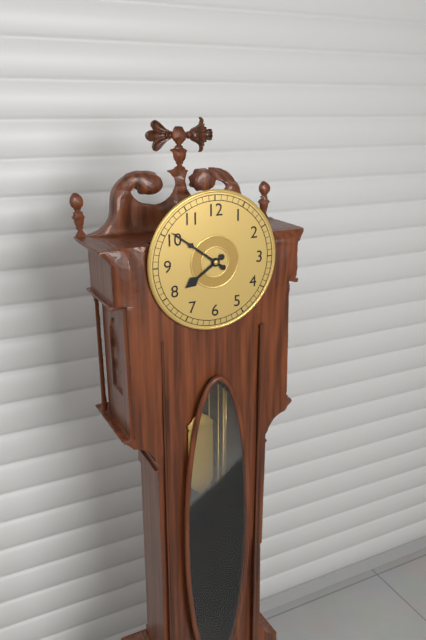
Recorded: h=7 m=51
